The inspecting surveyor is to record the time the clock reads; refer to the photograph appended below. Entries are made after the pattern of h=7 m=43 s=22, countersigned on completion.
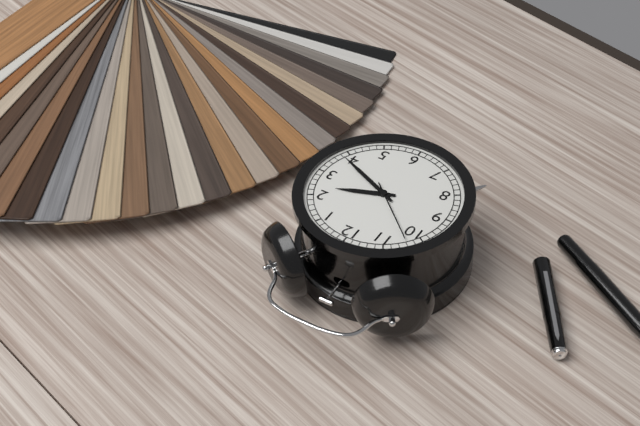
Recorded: h=2 m=19 s=52
